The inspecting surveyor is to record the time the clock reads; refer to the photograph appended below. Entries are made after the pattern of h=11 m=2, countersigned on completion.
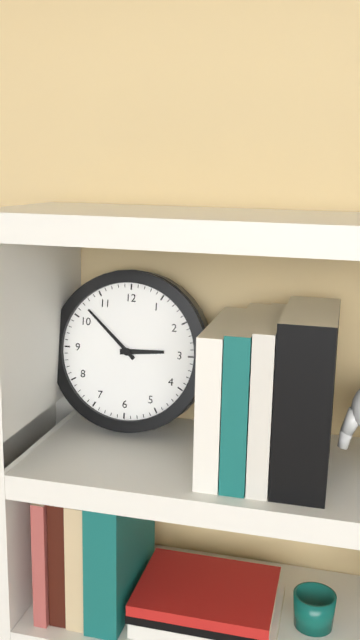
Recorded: h=2 m=52
